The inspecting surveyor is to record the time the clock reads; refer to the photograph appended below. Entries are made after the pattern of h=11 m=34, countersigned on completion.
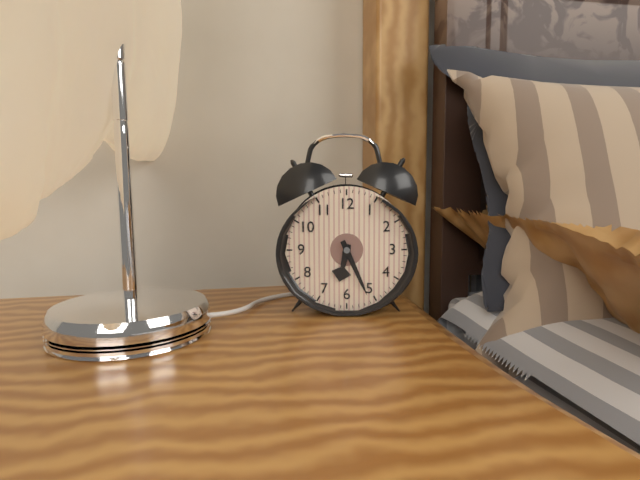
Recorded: h=6 m=26
